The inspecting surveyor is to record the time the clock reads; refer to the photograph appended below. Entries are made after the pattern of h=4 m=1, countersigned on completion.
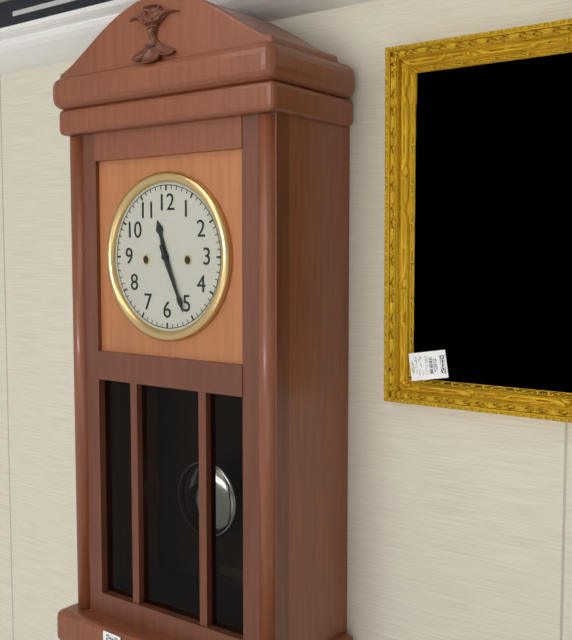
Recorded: h=11 m=26
